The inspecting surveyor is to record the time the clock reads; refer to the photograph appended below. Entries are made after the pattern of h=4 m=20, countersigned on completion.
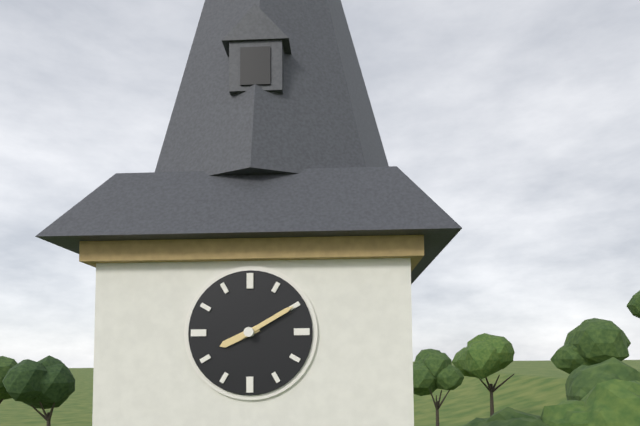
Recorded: h=8 m=10
